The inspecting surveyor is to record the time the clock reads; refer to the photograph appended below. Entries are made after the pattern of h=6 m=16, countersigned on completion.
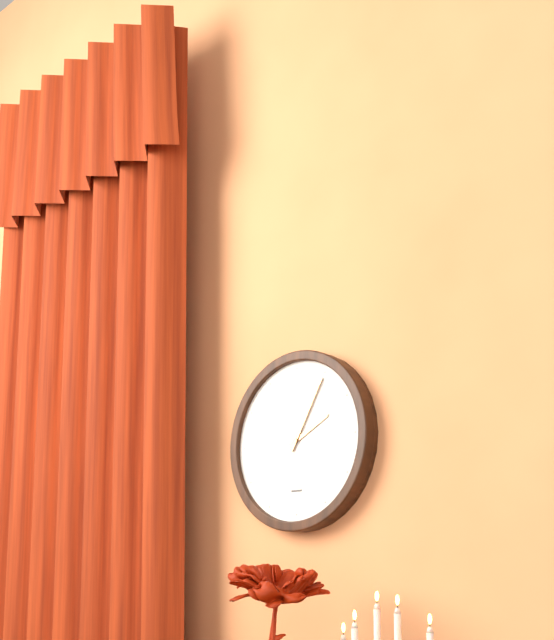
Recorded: h=2 m=5
